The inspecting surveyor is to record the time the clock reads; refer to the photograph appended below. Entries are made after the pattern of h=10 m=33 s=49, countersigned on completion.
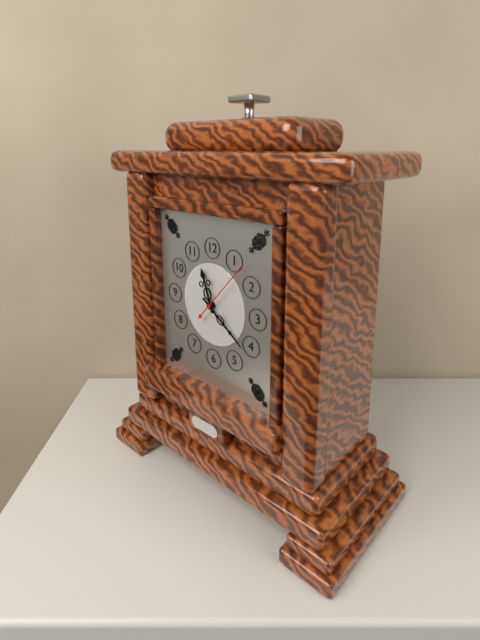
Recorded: h=11 m=21 s=7
